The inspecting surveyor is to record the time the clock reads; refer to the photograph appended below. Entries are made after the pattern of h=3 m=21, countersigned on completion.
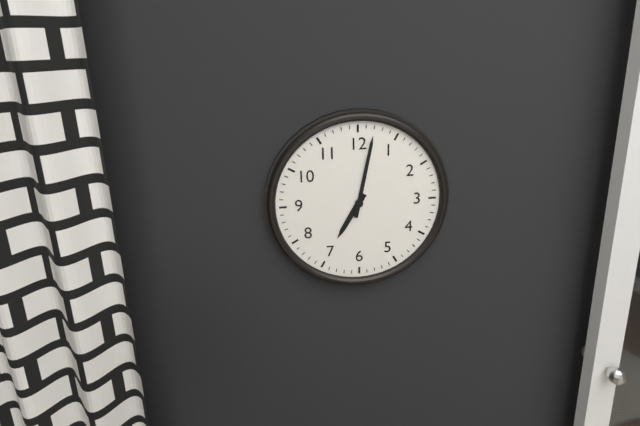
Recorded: h=7 m=2
